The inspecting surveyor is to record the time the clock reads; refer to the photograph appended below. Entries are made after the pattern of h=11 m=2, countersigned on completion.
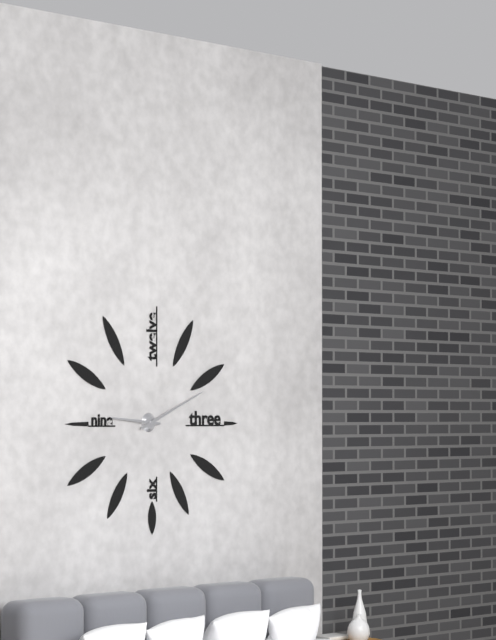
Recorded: h=9 m=11
